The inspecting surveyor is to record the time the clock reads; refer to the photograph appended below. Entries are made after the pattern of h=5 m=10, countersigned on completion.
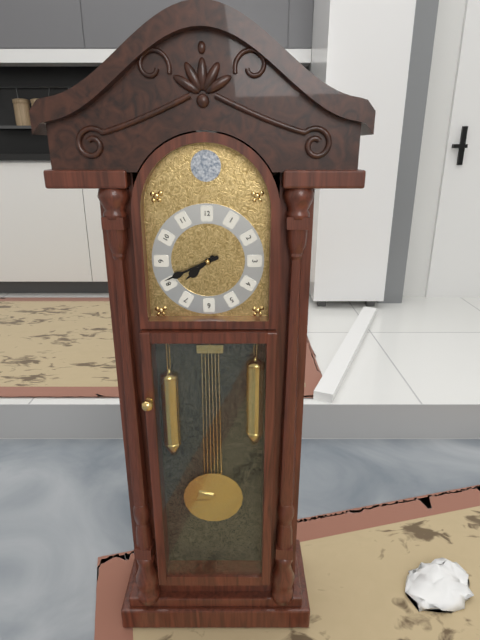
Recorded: h=7 m=41
